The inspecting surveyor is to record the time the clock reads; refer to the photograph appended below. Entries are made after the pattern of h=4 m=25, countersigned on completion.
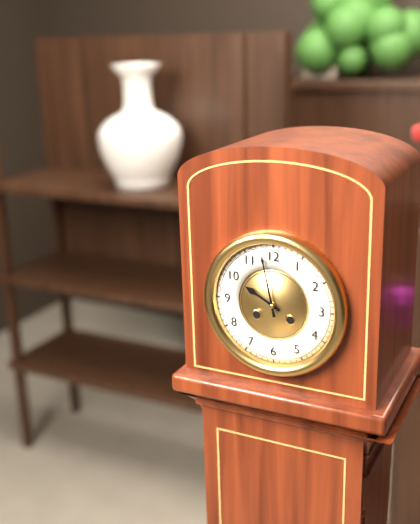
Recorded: h=9 m=58
